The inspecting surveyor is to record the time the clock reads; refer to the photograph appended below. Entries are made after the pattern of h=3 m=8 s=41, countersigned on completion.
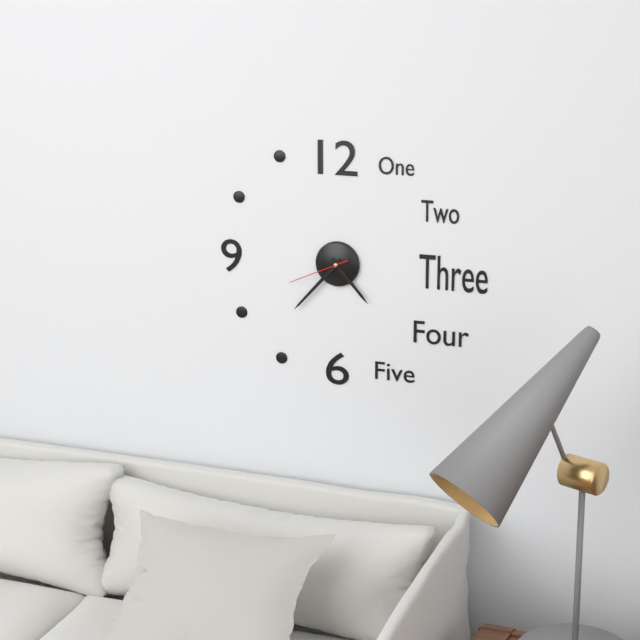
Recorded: h=4 m=37 s=41
